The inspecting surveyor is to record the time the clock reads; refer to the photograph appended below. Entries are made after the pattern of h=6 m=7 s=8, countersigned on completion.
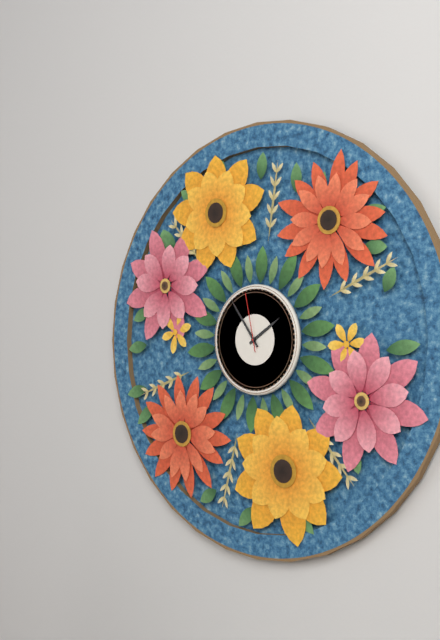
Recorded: h=1 m=54 s=58
